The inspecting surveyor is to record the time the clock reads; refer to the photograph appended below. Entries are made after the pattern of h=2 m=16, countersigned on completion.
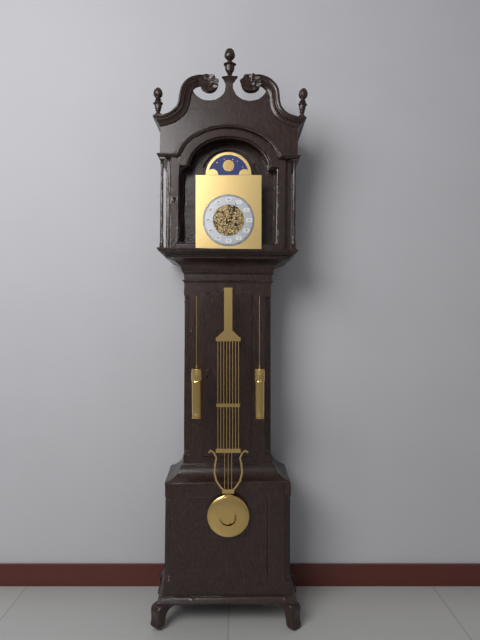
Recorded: h=4 m=4
